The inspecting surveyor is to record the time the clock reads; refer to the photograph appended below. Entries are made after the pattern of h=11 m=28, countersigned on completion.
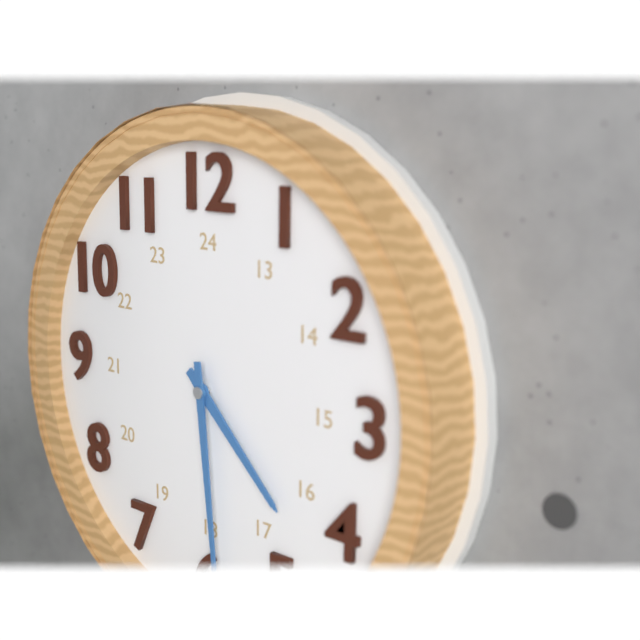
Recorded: h=4 m=29
